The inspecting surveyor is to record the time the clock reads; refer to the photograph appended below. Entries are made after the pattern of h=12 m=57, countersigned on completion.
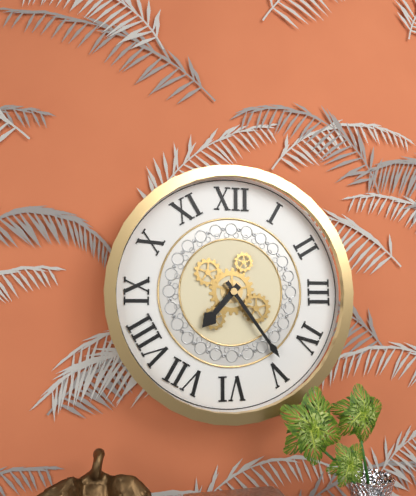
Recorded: h=7 m=24
